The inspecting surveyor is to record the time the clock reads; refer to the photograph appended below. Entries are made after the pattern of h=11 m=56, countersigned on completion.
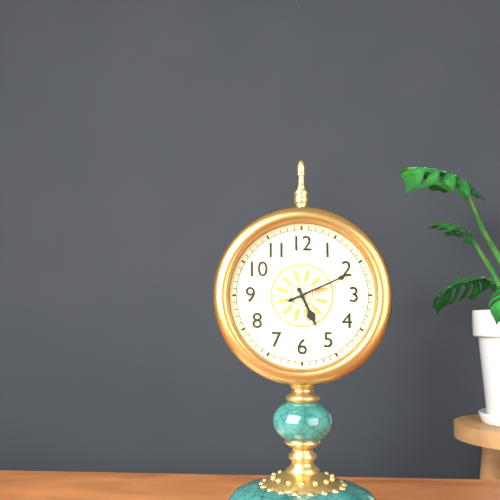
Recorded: h=5 m=11
